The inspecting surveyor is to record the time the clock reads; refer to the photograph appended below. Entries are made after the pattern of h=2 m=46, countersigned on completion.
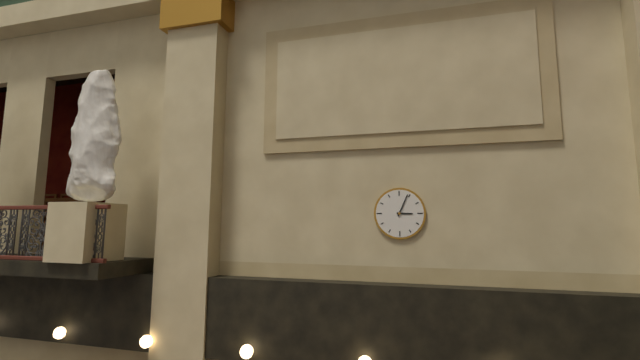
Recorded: h=3 m=4
